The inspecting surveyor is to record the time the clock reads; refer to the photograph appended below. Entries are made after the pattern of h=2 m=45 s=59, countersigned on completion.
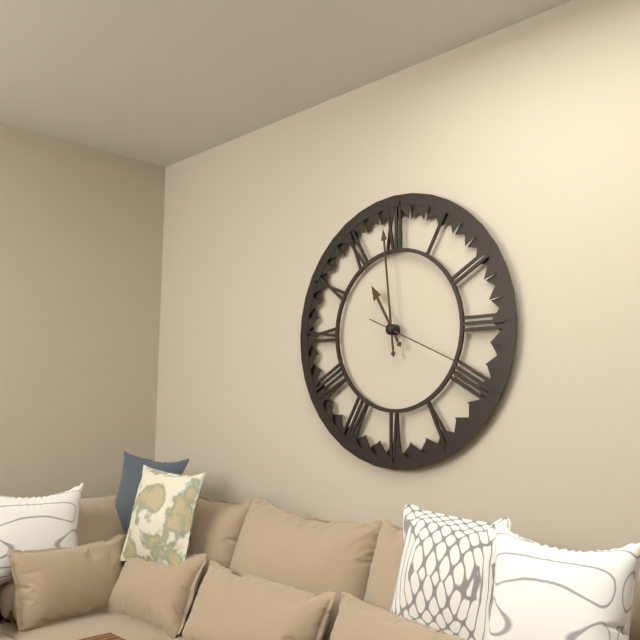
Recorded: h=10 m=59 s=19
